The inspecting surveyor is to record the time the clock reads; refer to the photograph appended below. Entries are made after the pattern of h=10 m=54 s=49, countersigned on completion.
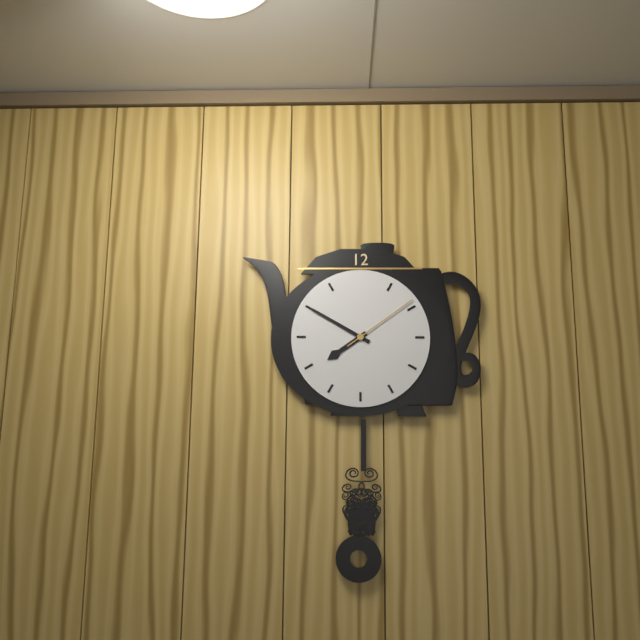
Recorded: h=7 m=50 s=9
